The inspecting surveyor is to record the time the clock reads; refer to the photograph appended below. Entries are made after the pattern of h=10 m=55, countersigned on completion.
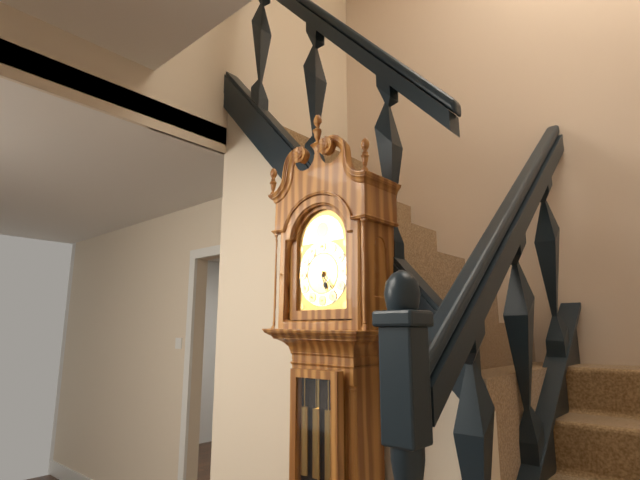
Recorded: h=5 m=23
